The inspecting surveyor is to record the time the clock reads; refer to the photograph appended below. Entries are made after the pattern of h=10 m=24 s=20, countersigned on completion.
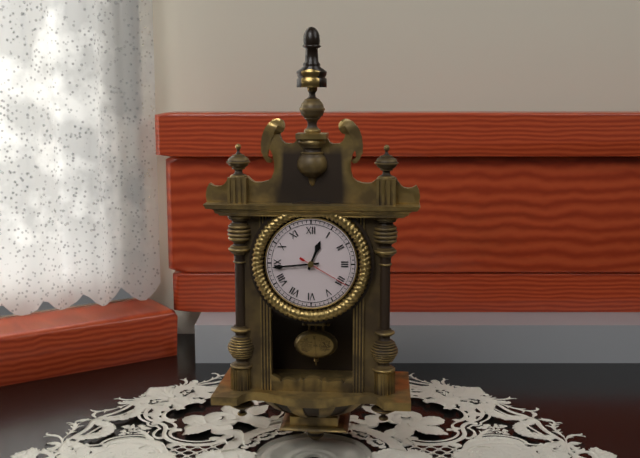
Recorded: h=12 m=44 s=20
